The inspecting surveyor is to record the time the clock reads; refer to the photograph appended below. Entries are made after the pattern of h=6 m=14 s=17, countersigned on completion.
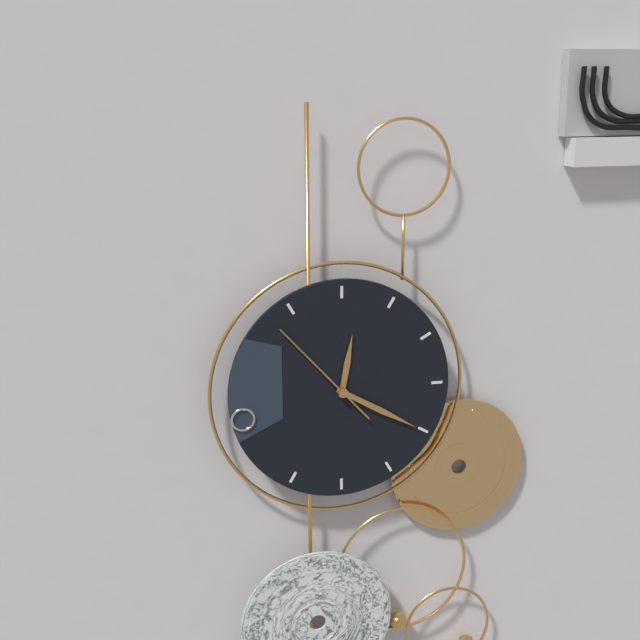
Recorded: h=12 m=20 s=53
